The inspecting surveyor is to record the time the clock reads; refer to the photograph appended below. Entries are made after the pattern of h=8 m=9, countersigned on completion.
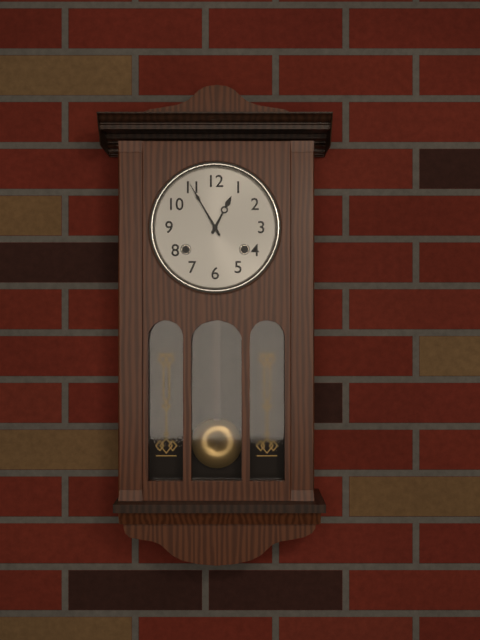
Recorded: h=12 m=55
